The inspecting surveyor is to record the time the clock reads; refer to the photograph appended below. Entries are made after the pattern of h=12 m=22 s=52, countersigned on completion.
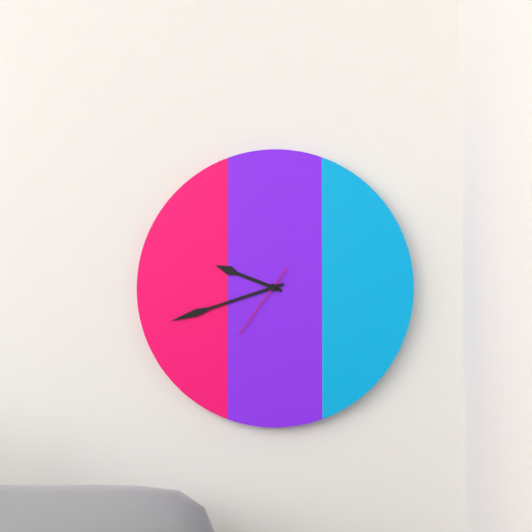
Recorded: h=9 m=42 s=36
